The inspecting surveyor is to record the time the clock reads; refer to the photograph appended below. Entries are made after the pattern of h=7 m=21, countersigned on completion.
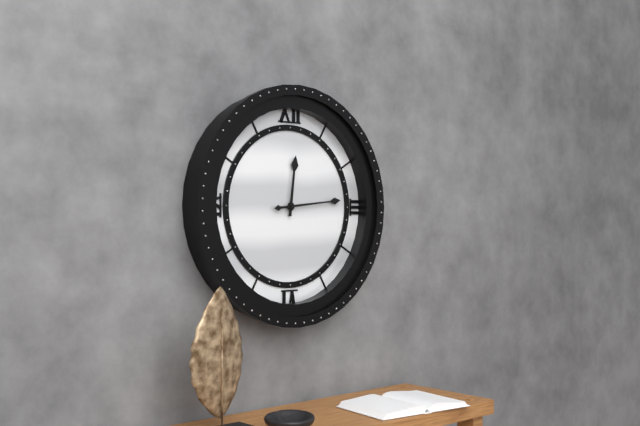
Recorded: h=12 m=14
